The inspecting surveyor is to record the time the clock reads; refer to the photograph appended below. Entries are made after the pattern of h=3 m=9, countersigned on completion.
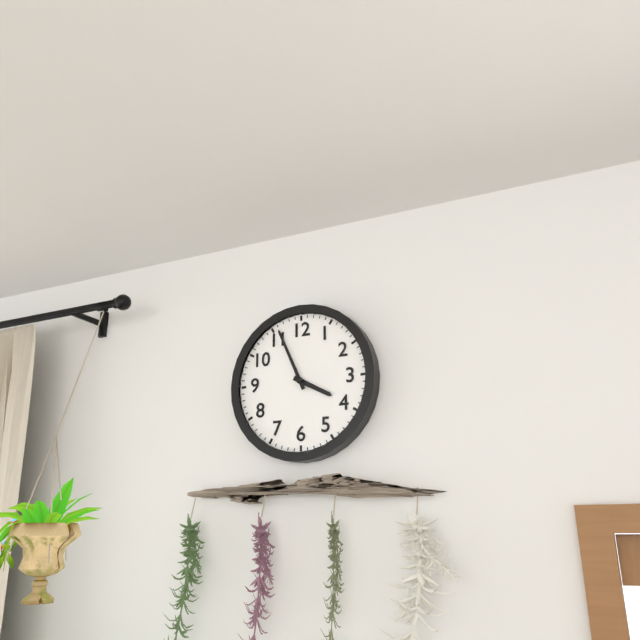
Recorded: h=3 m=56
